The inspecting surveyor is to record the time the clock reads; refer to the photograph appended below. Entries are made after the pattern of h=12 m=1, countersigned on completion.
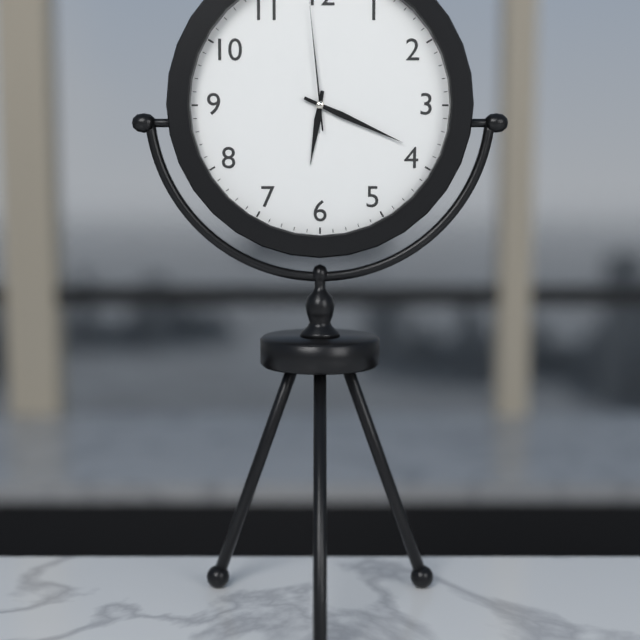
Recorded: h=6 m=19
